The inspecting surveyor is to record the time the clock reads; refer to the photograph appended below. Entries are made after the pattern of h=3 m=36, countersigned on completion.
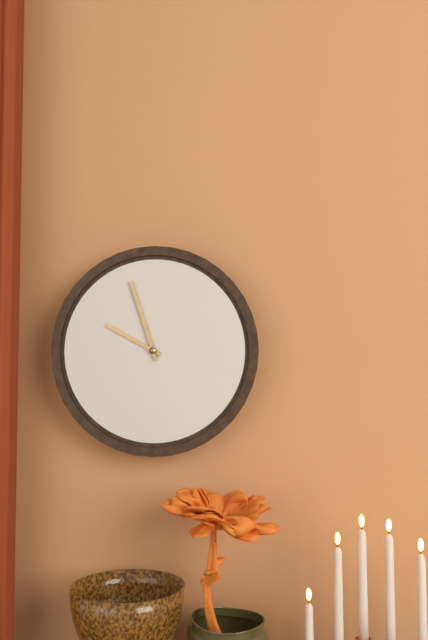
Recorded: h=9 m=57
